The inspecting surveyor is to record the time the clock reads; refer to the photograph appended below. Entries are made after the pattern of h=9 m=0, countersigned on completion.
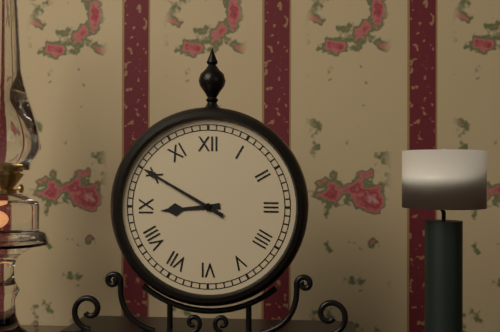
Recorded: h=8 m=50
